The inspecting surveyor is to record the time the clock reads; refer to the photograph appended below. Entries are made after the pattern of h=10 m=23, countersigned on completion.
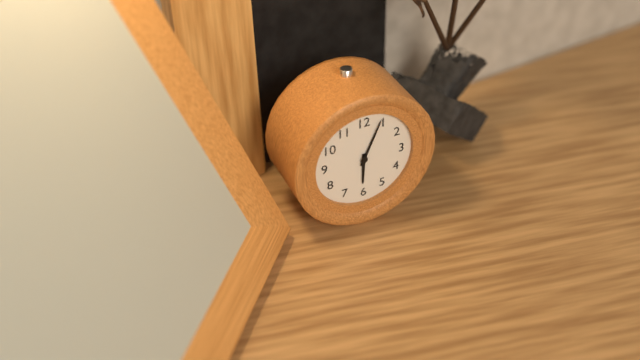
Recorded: h=6 m=4
